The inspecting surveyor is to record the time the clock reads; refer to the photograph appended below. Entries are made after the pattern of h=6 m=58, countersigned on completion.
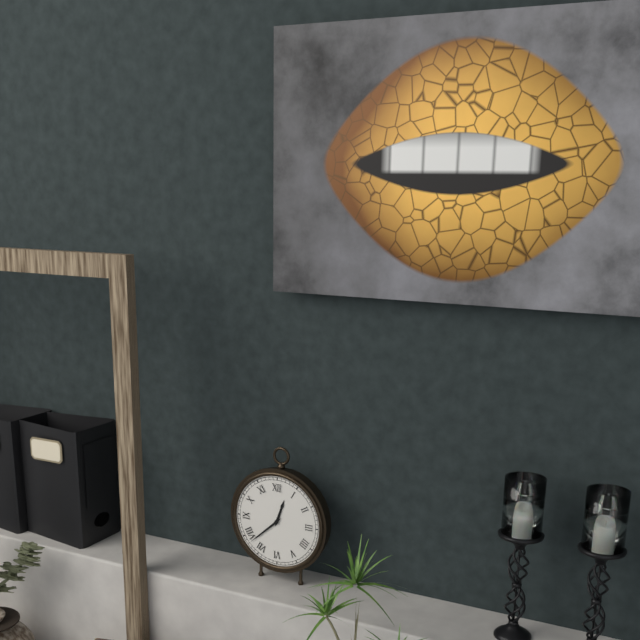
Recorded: h=12 m=38
